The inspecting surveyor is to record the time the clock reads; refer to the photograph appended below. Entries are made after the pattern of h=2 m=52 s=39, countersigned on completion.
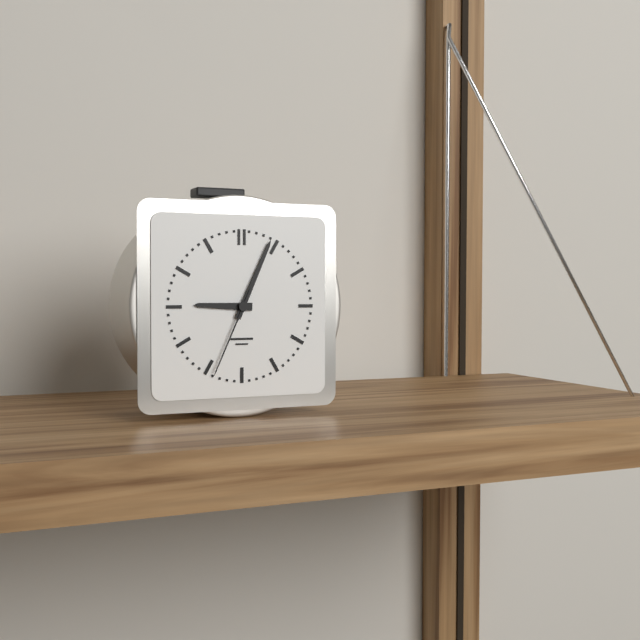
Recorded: h=9 m=4 s=34
